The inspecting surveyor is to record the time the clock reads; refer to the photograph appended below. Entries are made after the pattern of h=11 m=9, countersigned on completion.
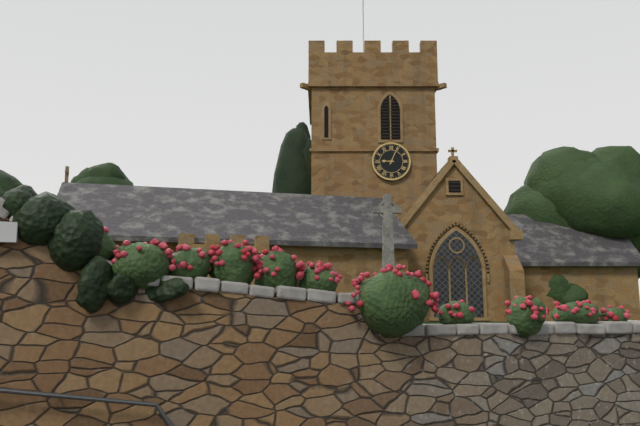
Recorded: h=9 m=4
